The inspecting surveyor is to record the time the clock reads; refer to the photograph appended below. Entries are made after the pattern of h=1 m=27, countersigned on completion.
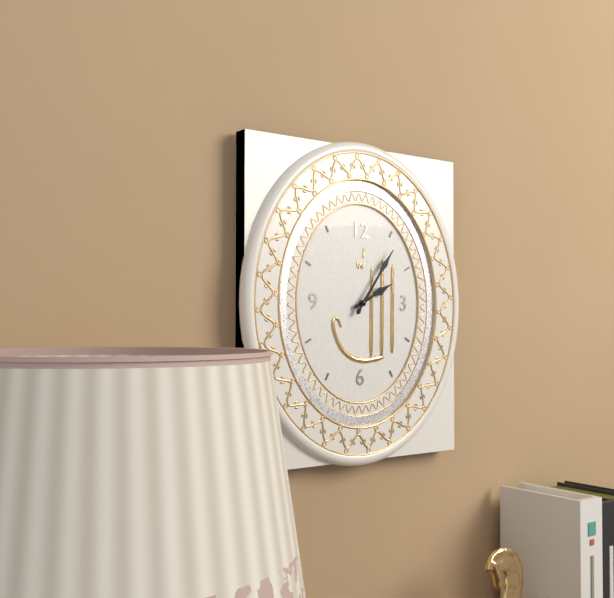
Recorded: h=2 m=6
